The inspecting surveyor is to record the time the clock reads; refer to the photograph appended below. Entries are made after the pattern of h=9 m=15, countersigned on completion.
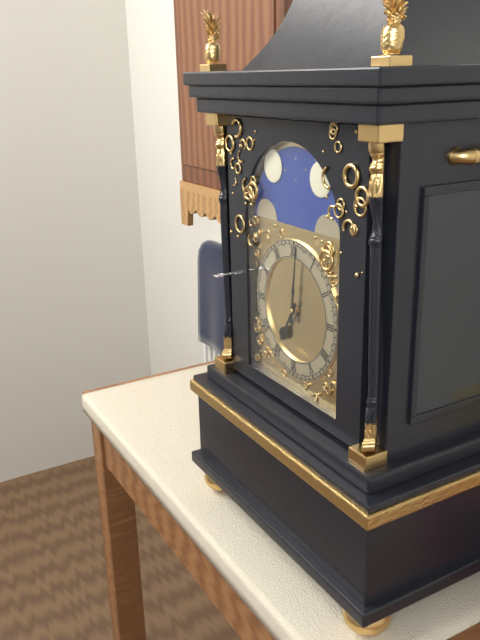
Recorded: h=7 m=1
